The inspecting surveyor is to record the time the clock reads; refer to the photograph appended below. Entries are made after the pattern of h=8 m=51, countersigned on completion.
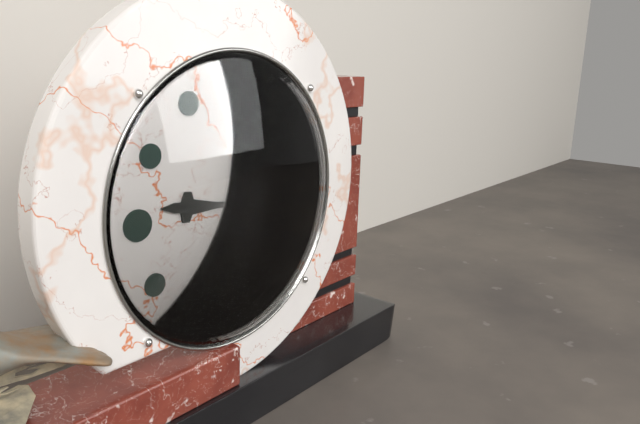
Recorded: h=9 m=13
